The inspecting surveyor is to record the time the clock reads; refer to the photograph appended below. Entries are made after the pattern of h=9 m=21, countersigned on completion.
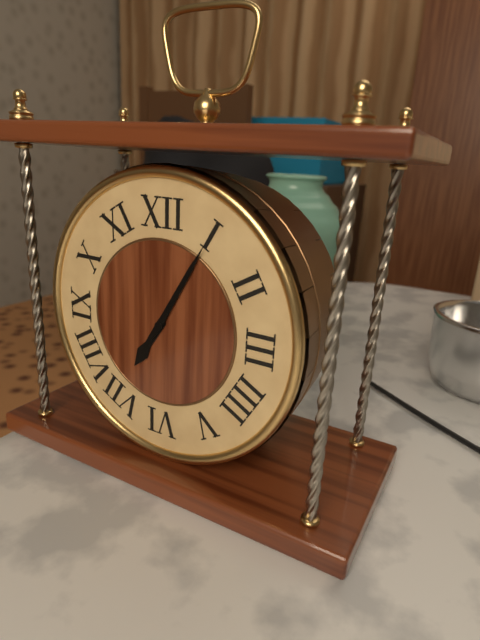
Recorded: h=7 m=5
